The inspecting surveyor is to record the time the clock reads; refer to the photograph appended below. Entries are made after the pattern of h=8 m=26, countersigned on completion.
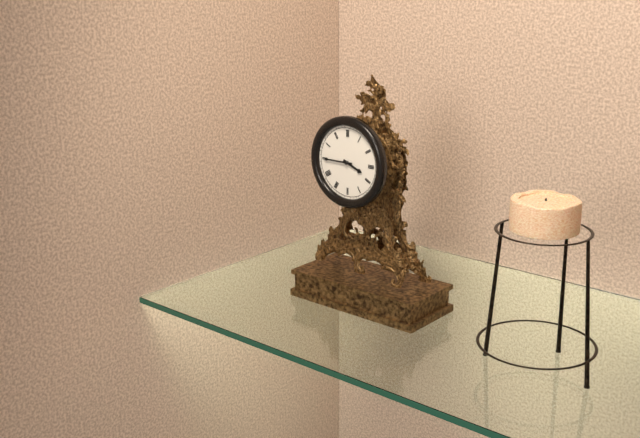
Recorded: h=3 m=45
